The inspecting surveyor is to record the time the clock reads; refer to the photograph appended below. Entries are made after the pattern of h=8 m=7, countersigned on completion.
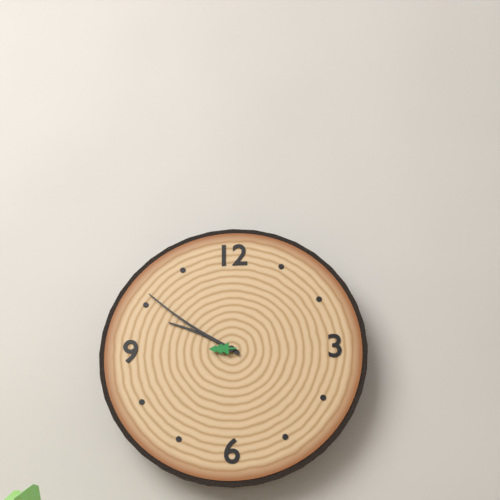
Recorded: h=9 m=51
